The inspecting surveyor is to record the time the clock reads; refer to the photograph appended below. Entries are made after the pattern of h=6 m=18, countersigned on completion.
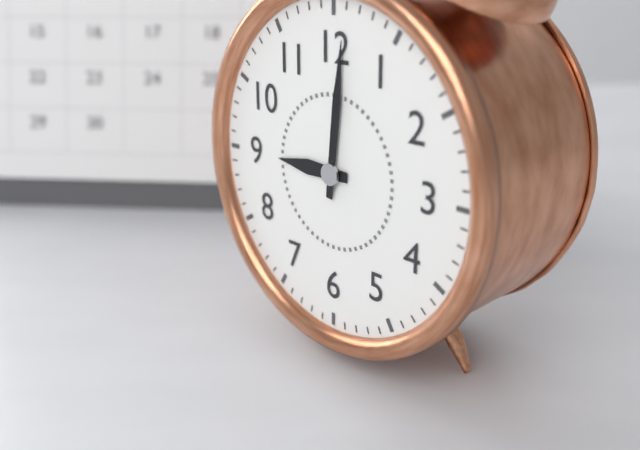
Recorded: h=9 m=1
